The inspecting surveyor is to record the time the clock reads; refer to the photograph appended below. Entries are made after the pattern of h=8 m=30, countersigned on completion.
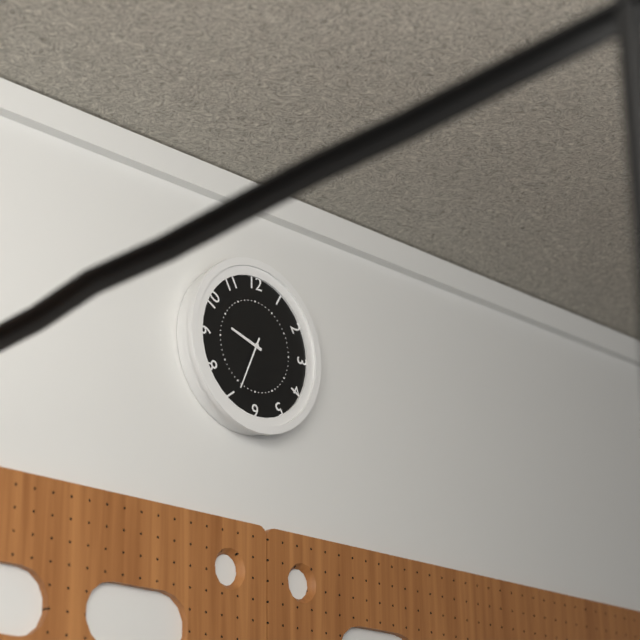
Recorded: h=9 m=34
